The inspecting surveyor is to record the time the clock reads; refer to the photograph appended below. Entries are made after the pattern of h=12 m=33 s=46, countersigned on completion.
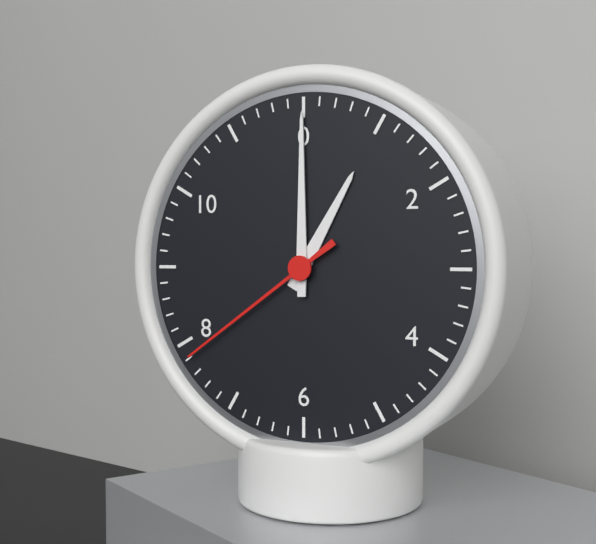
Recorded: h=1 m=0 s=39
